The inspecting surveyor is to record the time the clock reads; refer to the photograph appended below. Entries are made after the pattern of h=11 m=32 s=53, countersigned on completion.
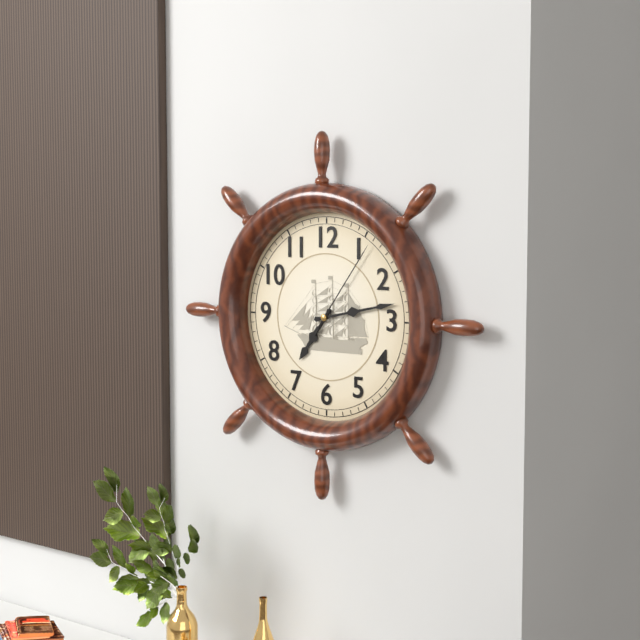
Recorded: h=7 m=13 s=6
